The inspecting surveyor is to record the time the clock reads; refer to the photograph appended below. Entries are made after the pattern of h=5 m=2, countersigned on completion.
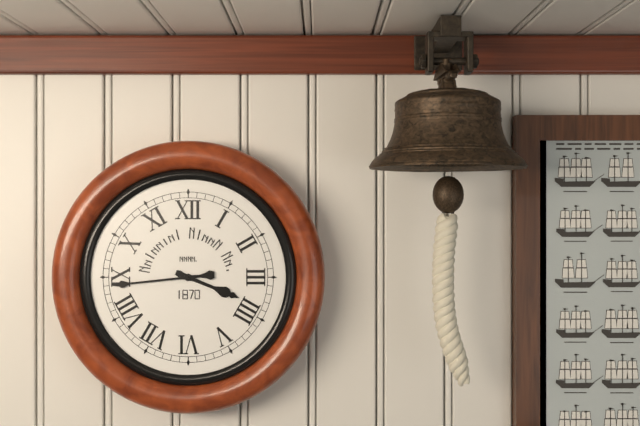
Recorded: h=3 m=44
